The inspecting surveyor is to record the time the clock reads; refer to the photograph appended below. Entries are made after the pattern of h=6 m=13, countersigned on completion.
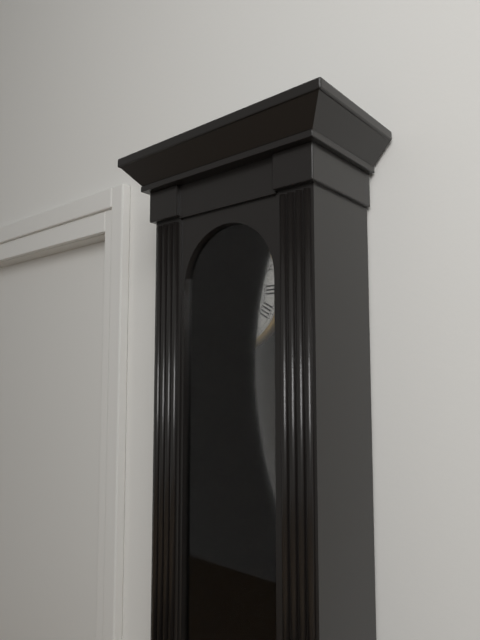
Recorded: h=12 m=56
